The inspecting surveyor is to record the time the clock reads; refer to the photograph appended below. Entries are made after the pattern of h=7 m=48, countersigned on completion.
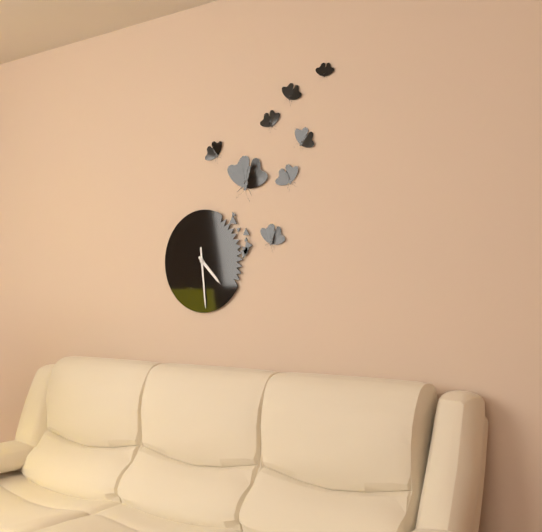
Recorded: h=4 m=29
